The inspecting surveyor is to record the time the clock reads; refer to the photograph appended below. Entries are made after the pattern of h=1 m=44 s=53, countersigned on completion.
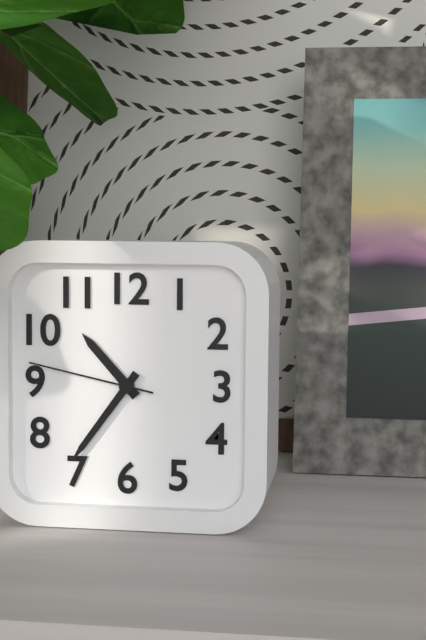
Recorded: h=10 m=36 s=47
